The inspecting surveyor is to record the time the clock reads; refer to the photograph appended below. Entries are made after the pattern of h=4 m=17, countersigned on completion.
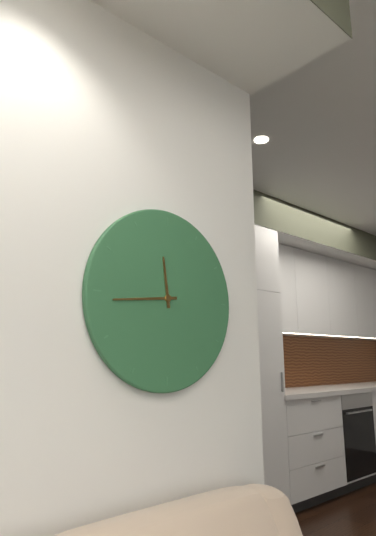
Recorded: h=11 m=44
